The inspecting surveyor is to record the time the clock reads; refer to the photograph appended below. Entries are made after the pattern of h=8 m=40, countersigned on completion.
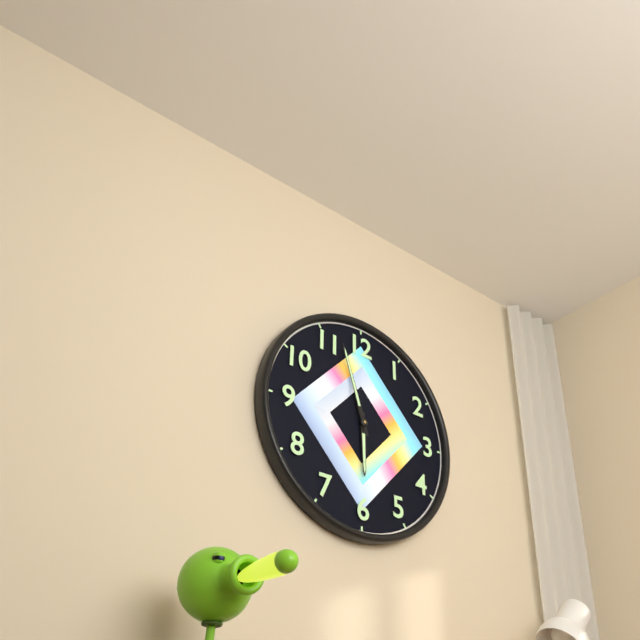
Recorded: h=5 m=57
